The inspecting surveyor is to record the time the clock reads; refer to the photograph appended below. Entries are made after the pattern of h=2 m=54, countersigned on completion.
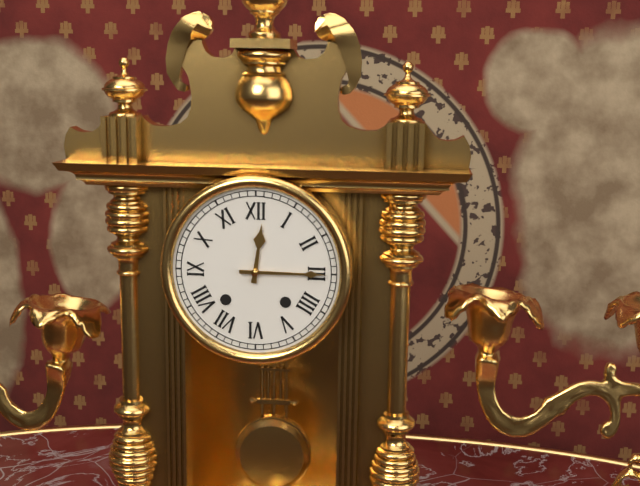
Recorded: h=12 m=15
